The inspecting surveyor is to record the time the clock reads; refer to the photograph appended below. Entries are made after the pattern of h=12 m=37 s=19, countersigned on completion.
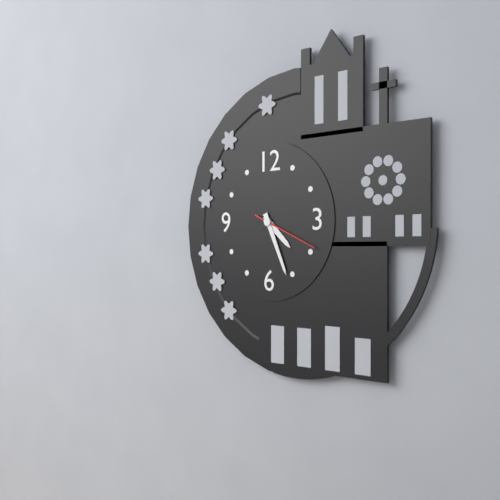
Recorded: h=4 m=26 s=19
